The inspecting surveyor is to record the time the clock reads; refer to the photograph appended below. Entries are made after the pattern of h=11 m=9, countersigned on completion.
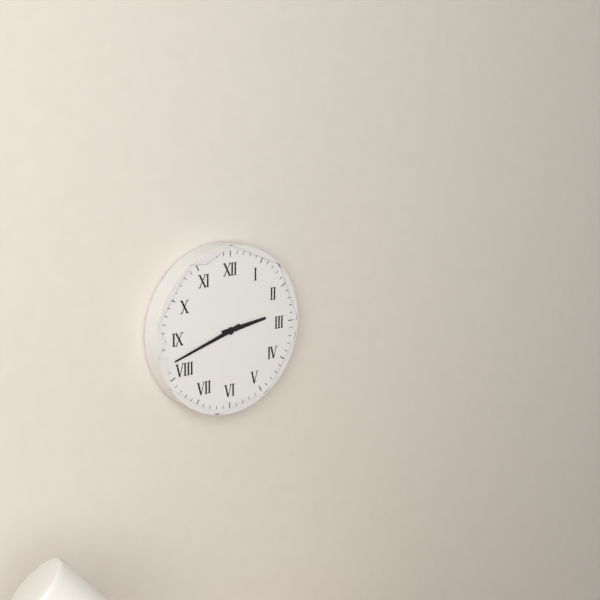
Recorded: h=2 m=42
